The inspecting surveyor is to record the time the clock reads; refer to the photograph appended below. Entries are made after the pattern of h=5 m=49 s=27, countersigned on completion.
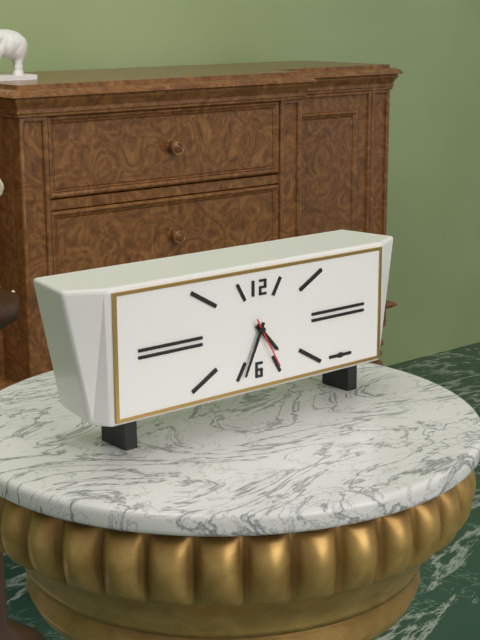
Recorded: h=4 m=34 s=25
